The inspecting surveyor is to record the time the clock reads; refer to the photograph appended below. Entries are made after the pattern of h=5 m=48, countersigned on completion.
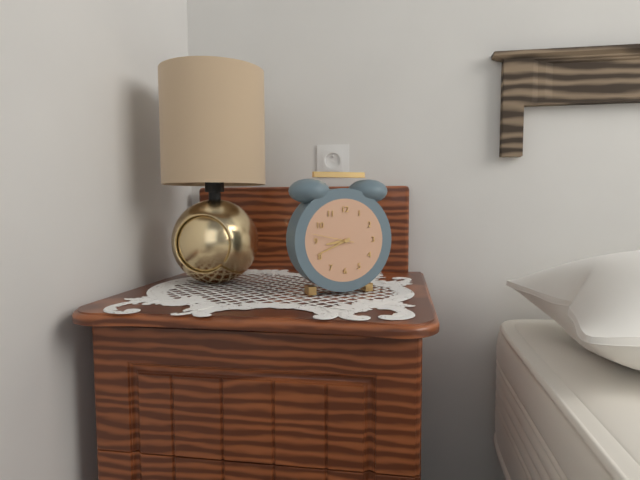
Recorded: h=8 m=41
